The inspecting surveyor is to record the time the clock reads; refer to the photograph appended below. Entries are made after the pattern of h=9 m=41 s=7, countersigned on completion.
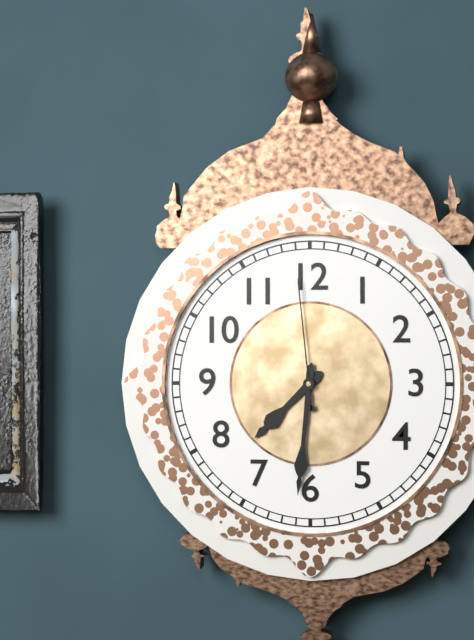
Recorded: h=7 m=31 s=59
